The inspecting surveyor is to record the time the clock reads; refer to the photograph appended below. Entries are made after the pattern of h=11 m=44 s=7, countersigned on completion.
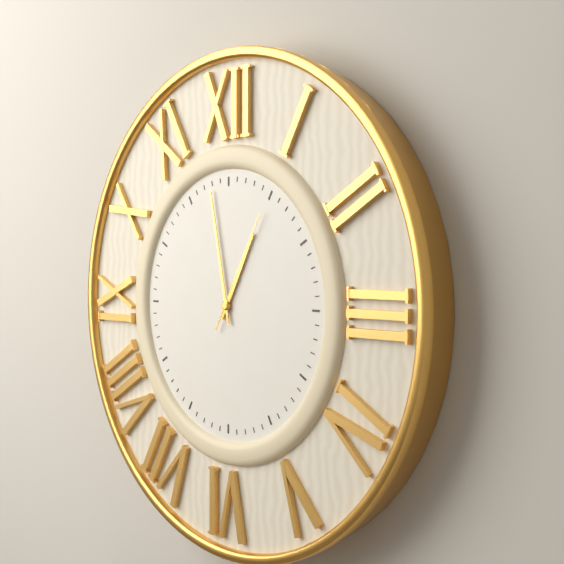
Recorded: h=12 m=58 s=5
